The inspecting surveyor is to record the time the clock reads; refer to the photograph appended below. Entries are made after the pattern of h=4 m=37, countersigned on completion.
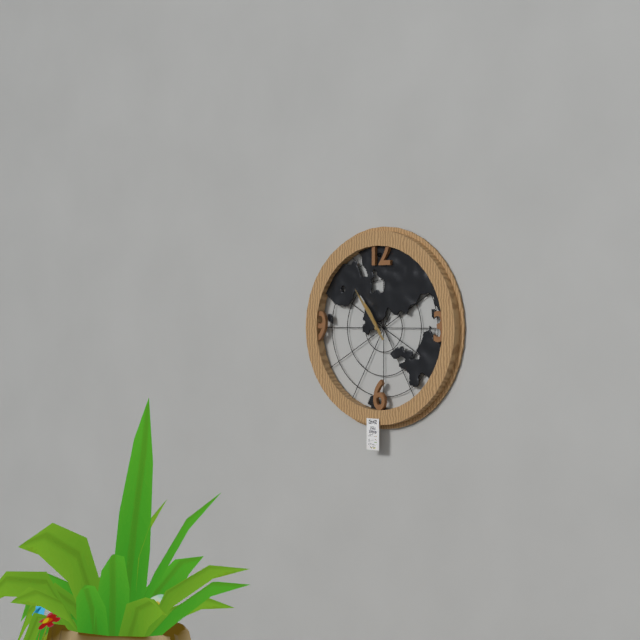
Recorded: h=10 m=54
